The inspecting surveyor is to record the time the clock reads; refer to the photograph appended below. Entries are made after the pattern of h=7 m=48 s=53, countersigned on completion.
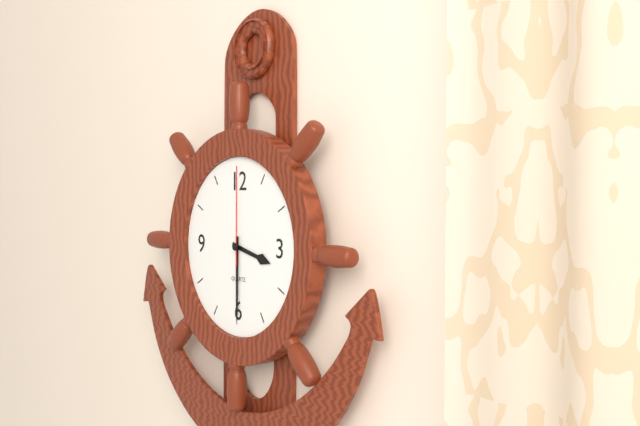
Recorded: h=3 m=30 s=0
